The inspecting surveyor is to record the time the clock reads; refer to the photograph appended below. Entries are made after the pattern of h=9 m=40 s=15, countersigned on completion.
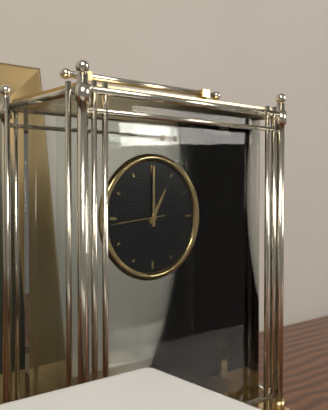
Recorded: h=1 m=0 s=44
